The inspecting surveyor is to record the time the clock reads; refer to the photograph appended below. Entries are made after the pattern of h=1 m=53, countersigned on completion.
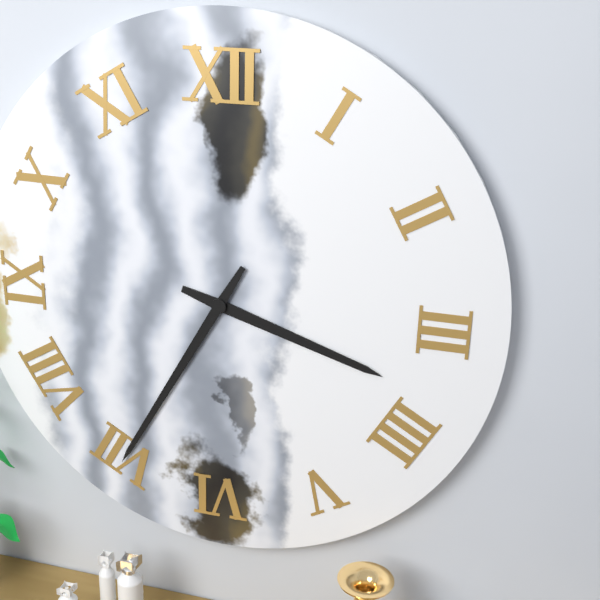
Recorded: h=3 m=35
